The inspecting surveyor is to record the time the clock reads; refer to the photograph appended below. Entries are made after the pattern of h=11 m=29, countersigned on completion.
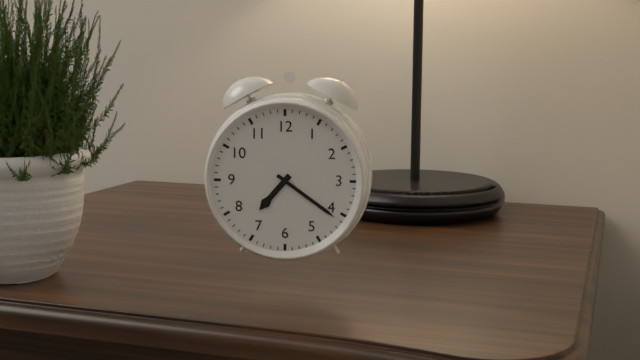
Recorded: h=7 m=21
